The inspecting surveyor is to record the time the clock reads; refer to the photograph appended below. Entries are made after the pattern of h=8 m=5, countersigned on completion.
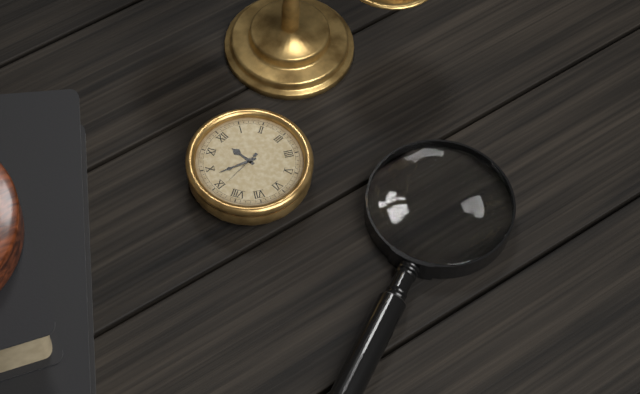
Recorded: h=11 m=48
